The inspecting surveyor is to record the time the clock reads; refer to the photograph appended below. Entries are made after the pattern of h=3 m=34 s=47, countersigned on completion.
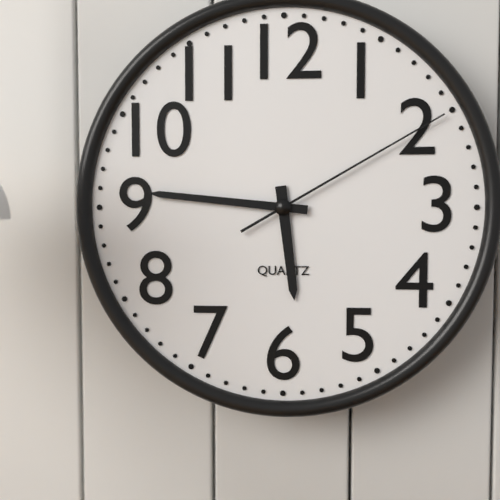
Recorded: h=5 m=46 s=10
